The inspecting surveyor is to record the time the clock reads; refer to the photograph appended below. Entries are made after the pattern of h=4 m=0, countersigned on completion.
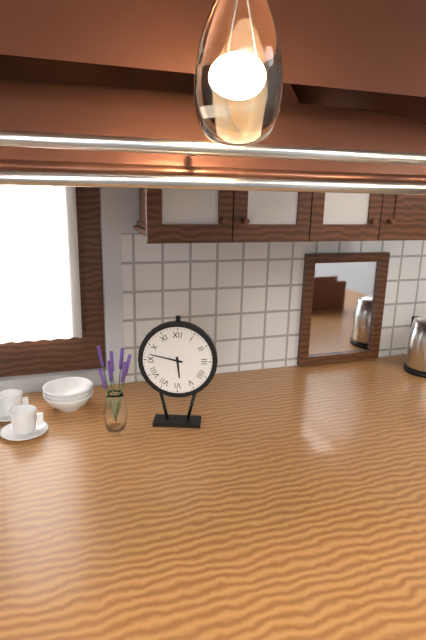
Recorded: h=5 m=47
